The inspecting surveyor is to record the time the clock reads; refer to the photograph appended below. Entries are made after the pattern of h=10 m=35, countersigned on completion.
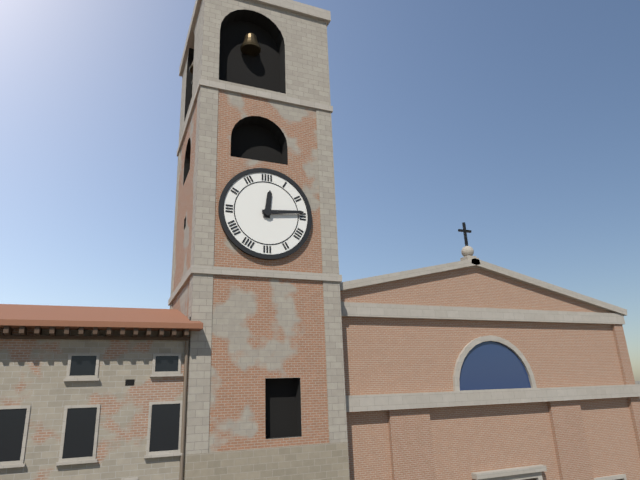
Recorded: h=12 m=14
